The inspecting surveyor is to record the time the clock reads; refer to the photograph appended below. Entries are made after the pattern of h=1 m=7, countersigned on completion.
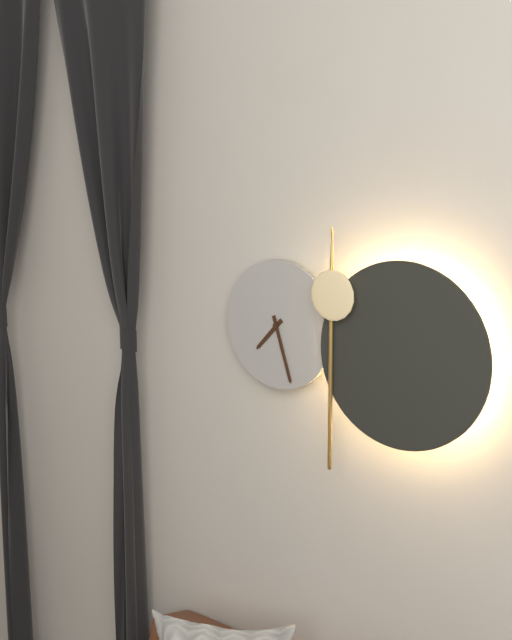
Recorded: h=7 m=27
